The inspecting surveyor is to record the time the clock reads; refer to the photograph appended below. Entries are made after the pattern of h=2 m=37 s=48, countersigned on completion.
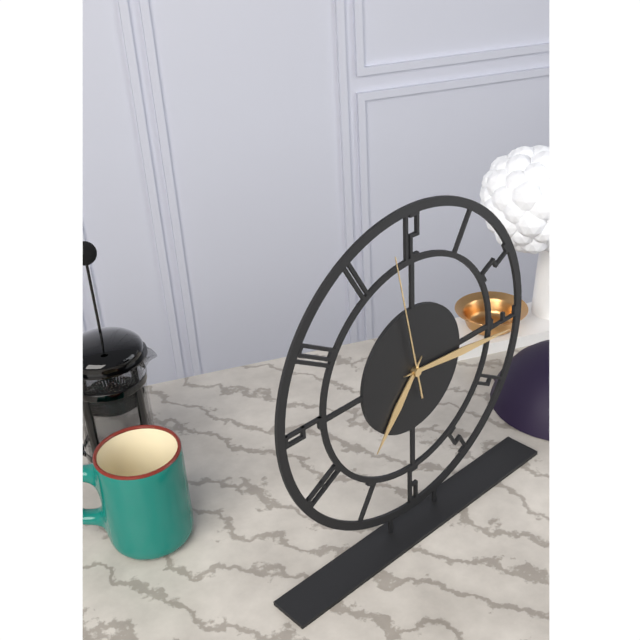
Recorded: h=7 m=16 s=58
